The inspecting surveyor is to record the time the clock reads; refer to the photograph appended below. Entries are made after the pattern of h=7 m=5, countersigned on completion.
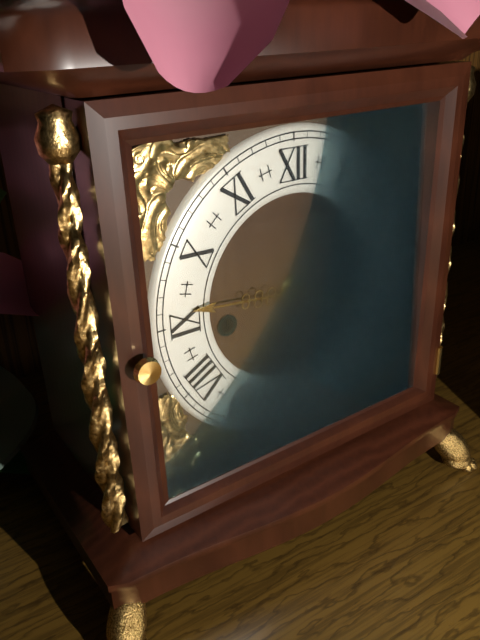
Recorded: h=3 m=46
